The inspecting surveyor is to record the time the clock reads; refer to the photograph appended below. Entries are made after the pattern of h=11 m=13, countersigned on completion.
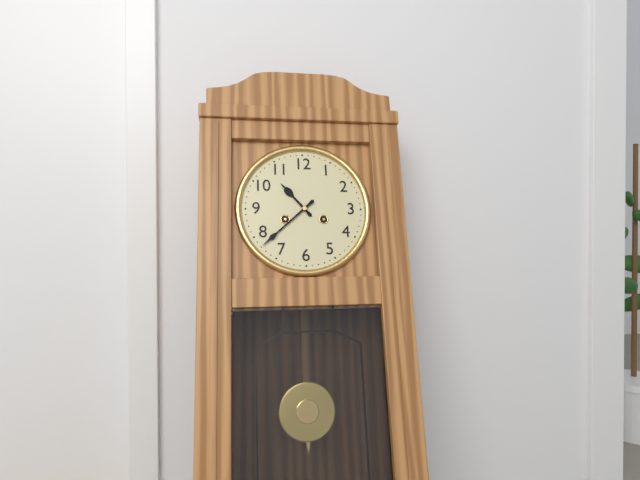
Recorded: h=10 m=38
